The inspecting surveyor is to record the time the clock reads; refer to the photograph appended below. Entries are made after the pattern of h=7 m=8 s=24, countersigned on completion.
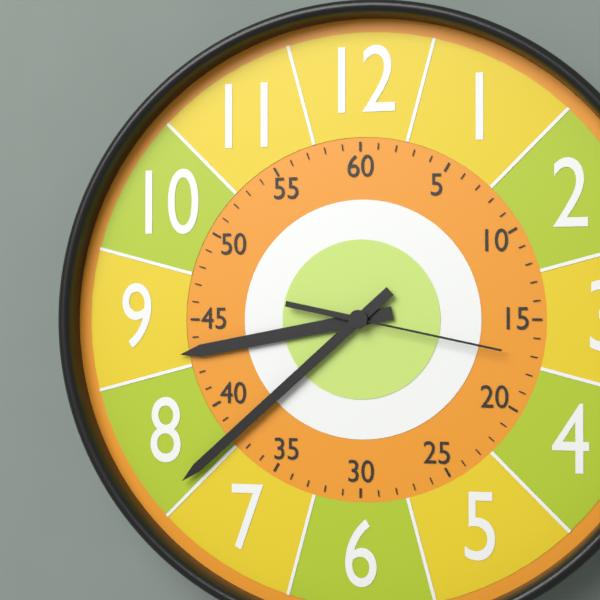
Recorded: h=8 m=38 s=17
